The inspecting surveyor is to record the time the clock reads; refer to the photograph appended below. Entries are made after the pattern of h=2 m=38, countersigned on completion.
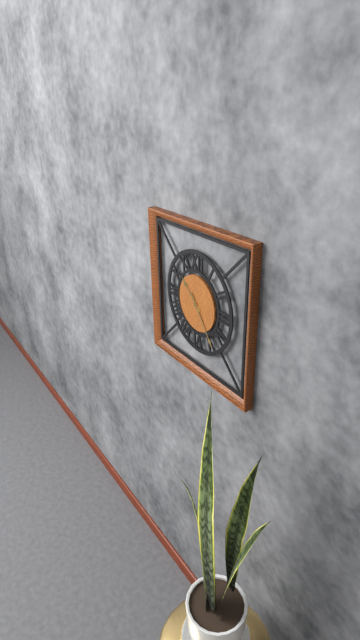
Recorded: h=10 m=24
